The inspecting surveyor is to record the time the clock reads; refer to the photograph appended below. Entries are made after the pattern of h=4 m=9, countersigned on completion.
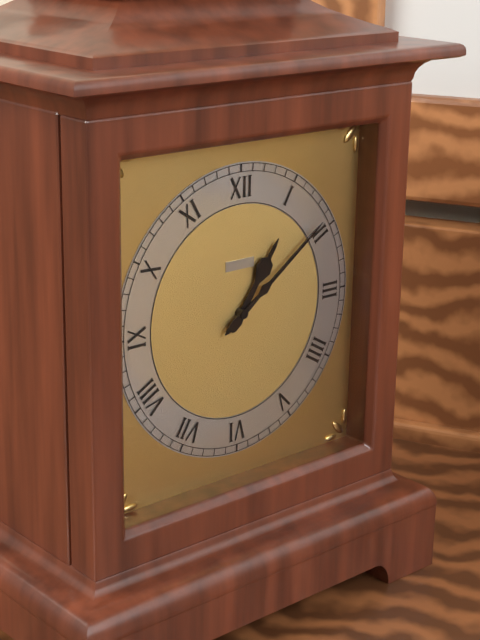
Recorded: h=1 m=9
